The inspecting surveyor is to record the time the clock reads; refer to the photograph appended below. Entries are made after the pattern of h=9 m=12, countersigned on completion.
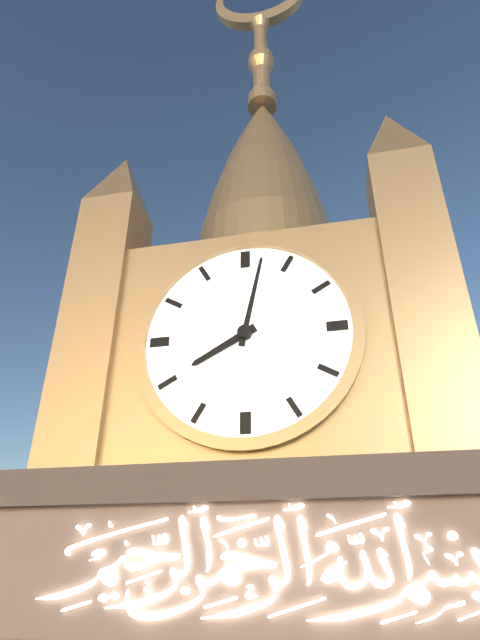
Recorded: h=8 m=2
